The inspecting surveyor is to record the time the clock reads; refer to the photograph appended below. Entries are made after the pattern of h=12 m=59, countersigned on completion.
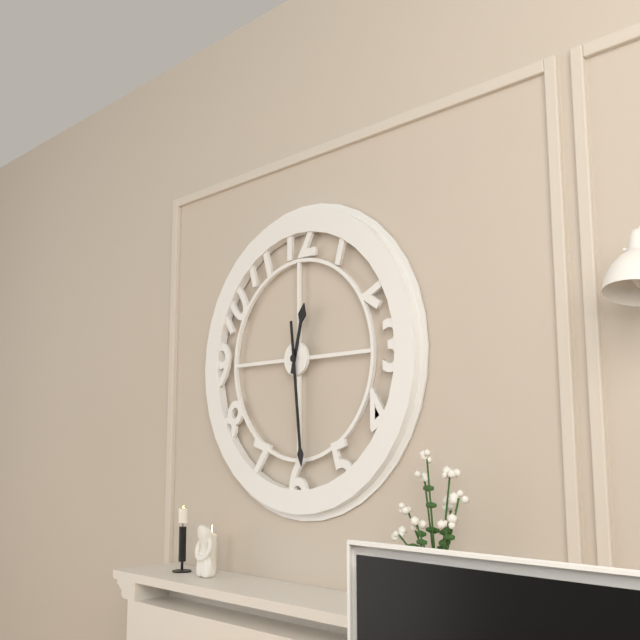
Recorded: h=12 m=29
